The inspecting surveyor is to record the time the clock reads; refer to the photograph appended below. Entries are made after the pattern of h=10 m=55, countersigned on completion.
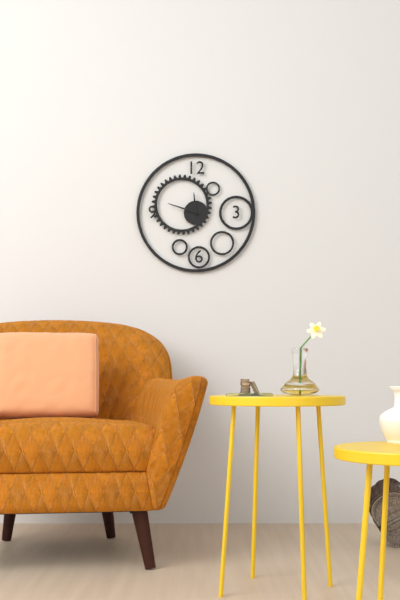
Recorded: h=11 m=48
